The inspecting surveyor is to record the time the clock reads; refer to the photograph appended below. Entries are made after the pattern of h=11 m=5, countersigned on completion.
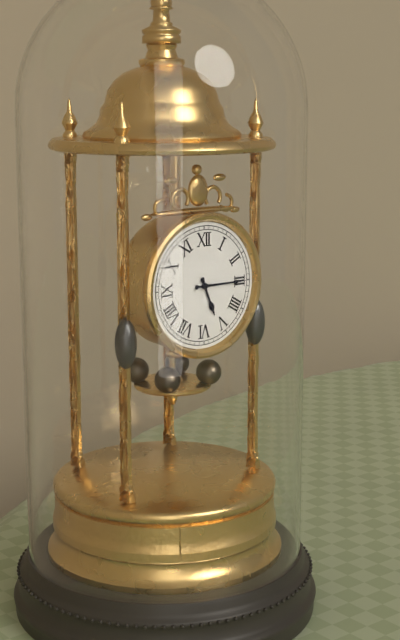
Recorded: h=5 m=15
